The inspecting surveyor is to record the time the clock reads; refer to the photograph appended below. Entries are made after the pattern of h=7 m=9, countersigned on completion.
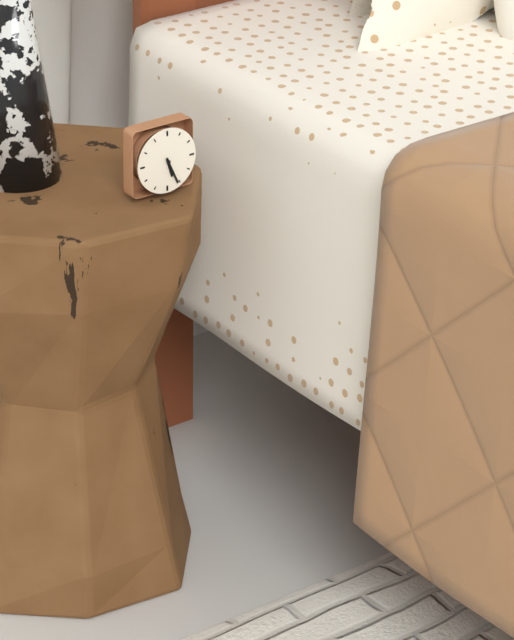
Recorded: h=5 m=26
